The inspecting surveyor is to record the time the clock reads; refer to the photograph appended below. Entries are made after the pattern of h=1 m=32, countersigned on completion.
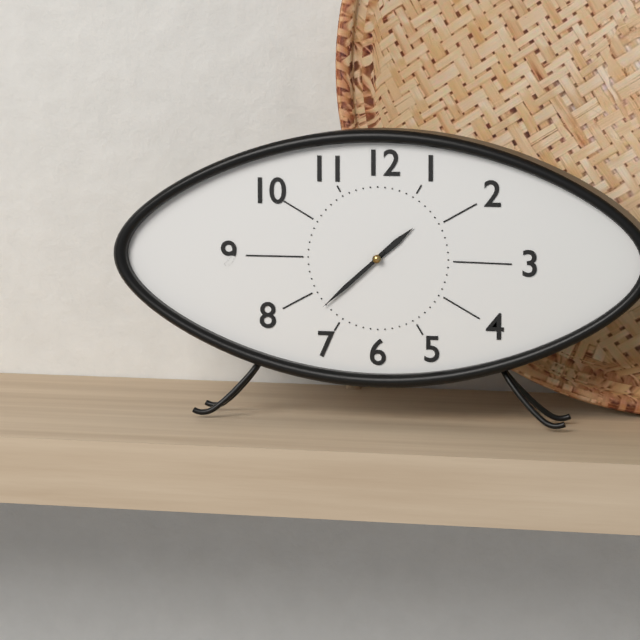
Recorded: h=1 m=38
